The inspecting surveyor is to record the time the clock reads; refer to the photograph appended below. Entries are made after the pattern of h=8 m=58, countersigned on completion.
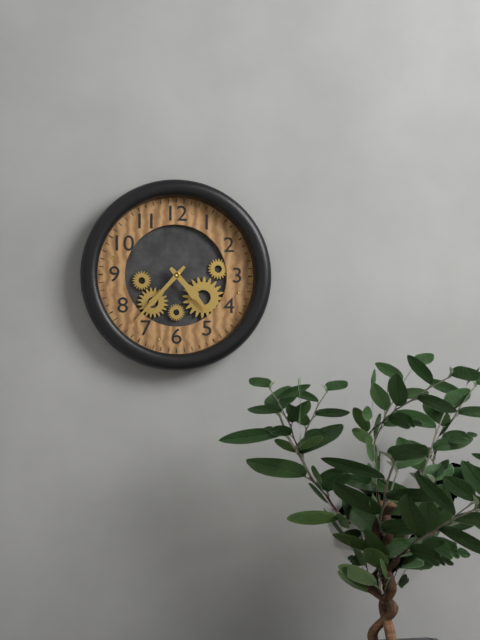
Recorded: h=4 m=37
